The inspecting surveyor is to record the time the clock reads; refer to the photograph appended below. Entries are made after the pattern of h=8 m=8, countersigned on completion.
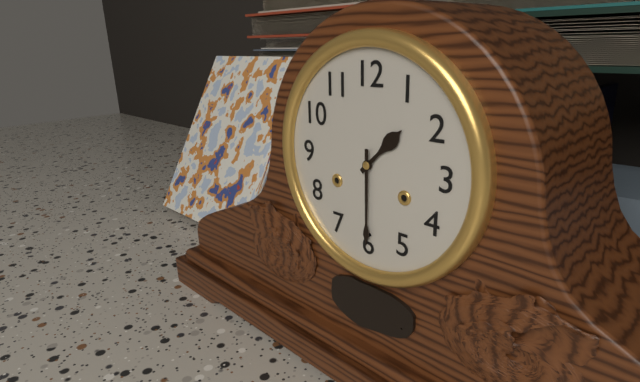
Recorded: h=1 m=30
